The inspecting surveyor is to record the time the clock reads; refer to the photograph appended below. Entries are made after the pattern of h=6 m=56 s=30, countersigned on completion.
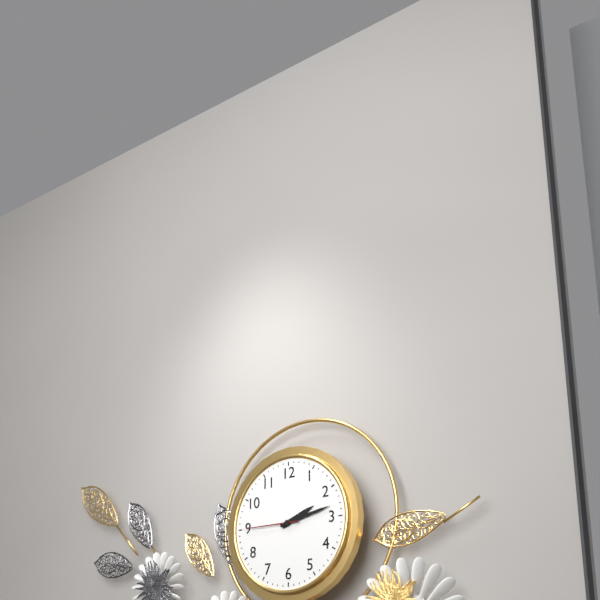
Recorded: h=2 m=13 s=45
